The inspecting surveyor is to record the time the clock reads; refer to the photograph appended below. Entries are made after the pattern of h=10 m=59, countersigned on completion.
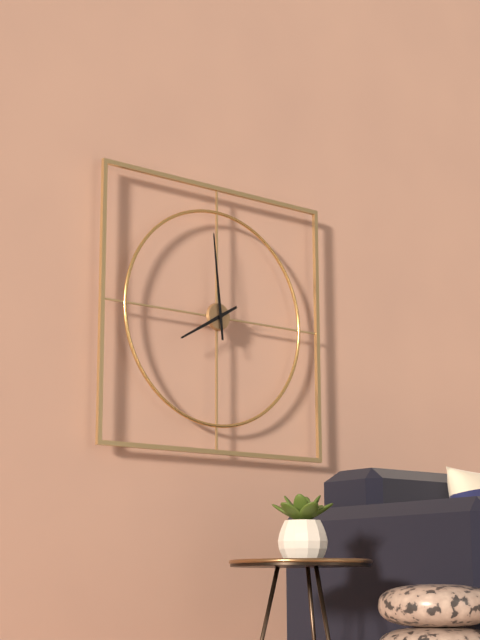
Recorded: h=7 m=59
